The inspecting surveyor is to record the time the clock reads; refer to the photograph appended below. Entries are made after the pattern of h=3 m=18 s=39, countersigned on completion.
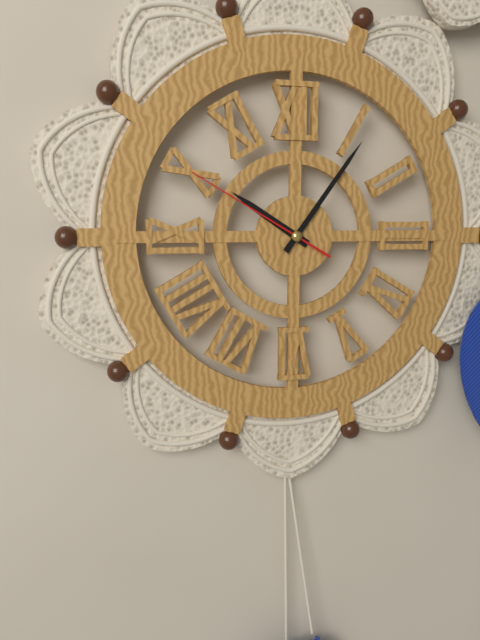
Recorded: h=10 m=6 s=50
